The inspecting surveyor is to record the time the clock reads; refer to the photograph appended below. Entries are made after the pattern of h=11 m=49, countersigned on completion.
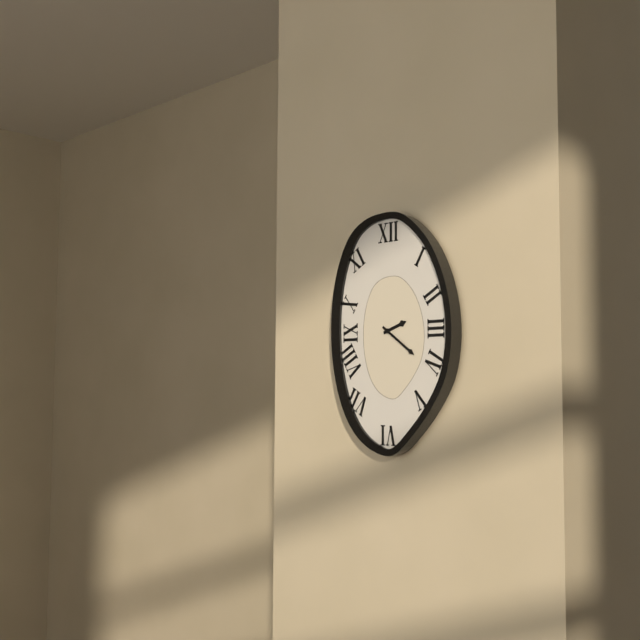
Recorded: h=2 m=21
